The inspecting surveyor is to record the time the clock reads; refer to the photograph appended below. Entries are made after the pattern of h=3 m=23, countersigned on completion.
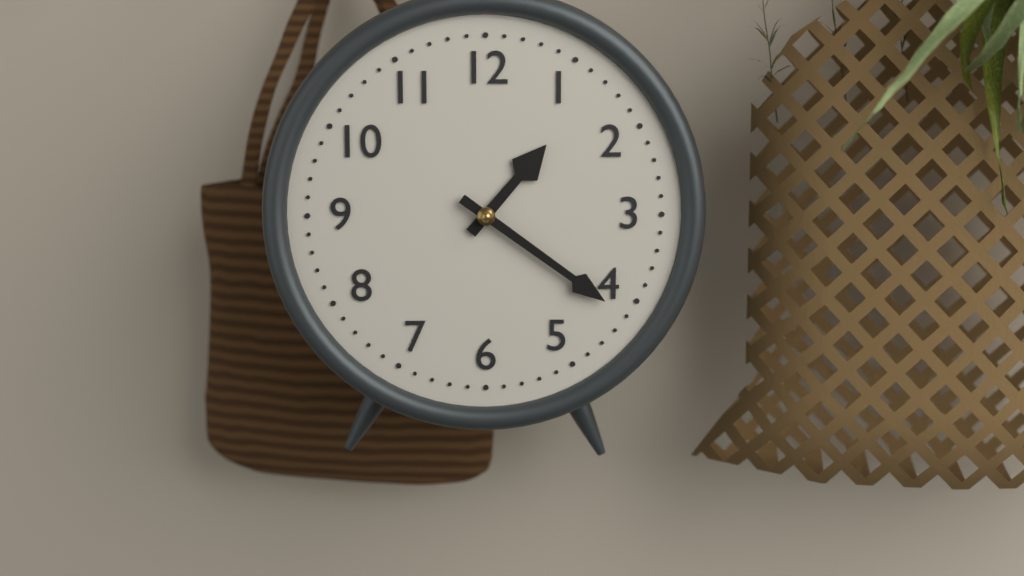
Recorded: h=1 m=21
